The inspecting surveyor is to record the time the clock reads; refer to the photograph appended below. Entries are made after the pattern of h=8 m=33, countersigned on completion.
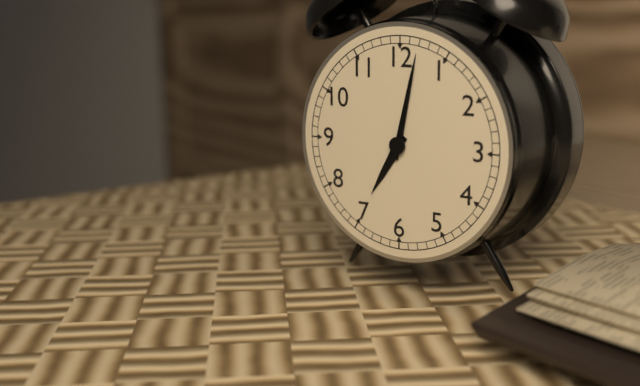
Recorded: h=7 m=2
